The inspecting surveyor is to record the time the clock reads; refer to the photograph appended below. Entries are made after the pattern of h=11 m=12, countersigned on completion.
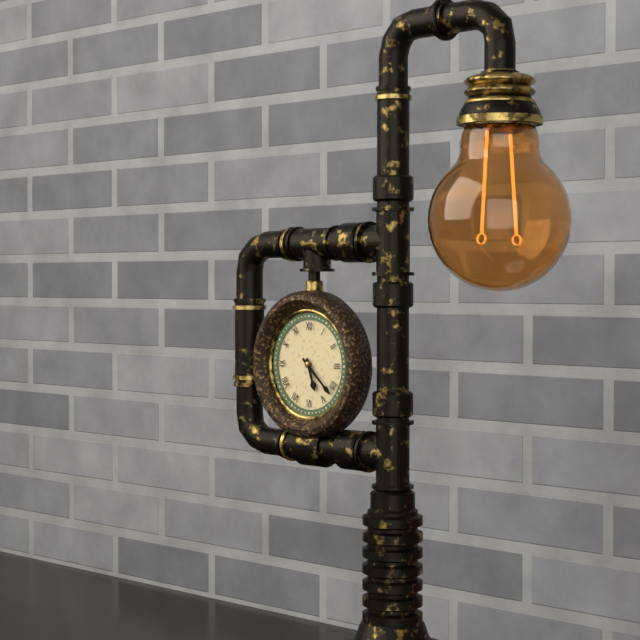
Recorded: h=5 m=22
